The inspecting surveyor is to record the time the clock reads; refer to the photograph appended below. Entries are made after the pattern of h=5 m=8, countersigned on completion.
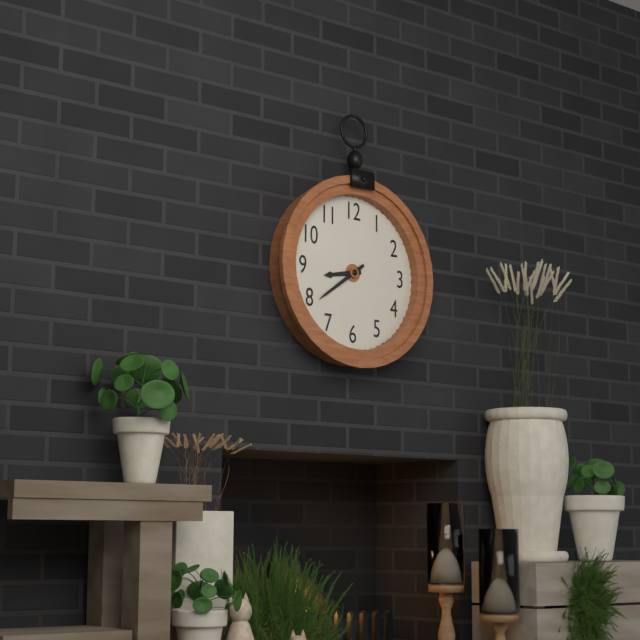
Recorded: h=8 m=39
